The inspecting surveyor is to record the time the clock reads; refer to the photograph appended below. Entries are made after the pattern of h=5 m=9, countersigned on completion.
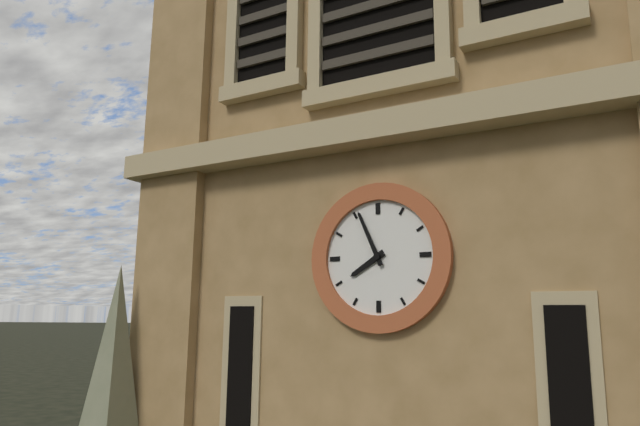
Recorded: h=7 m=56
